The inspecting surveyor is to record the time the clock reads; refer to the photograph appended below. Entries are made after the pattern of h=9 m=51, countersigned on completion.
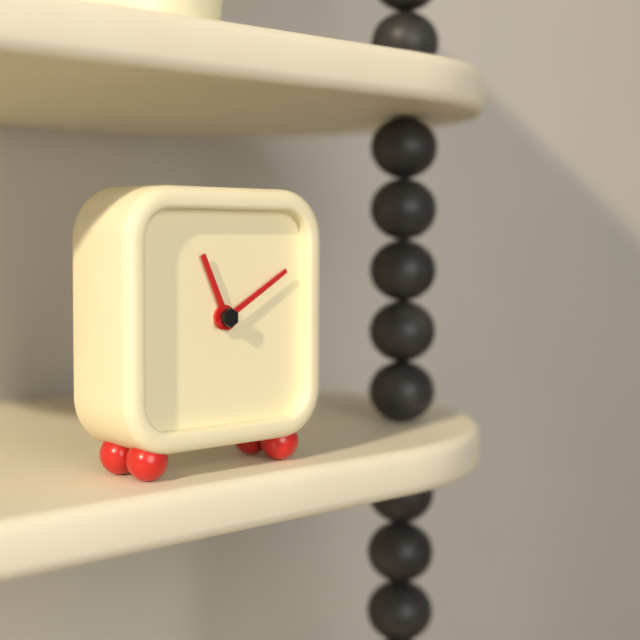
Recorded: h=11 m=10
